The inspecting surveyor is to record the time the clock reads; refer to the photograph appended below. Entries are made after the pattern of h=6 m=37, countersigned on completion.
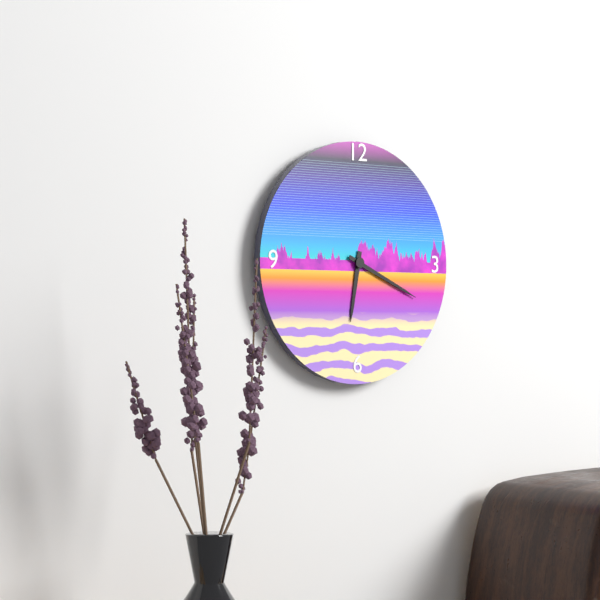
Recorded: h=6 m=19
